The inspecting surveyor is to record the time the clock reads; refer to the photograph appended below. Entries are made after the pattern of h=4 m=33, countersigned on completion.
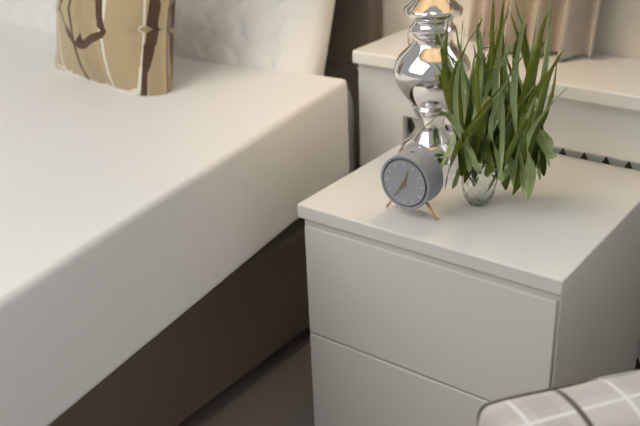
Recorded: h=12 m=36
